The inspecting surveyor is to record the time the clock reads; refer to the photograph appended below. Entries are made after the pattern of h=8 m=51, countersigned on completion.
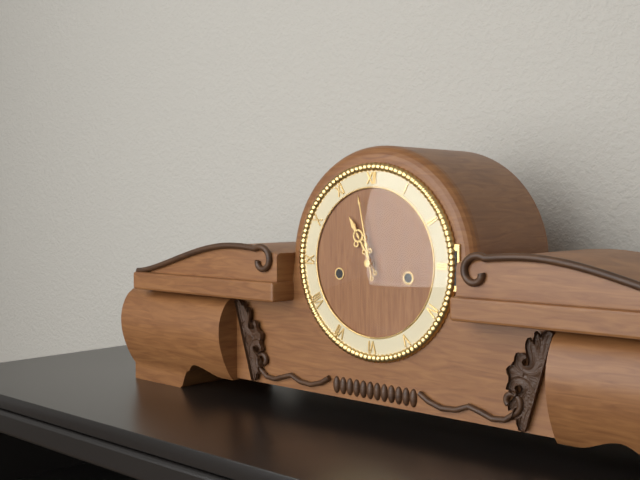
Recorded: h=10 m=58
